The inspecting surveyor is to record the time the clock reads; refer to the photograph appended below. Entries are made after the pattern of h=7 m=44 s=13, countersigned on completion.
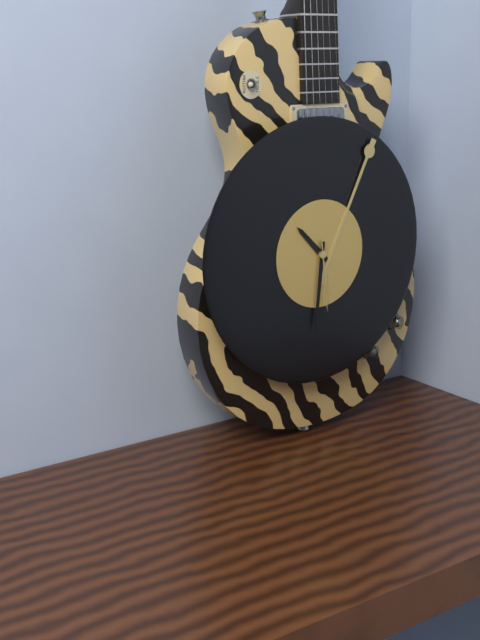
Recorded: h=10 m=31 s=29
